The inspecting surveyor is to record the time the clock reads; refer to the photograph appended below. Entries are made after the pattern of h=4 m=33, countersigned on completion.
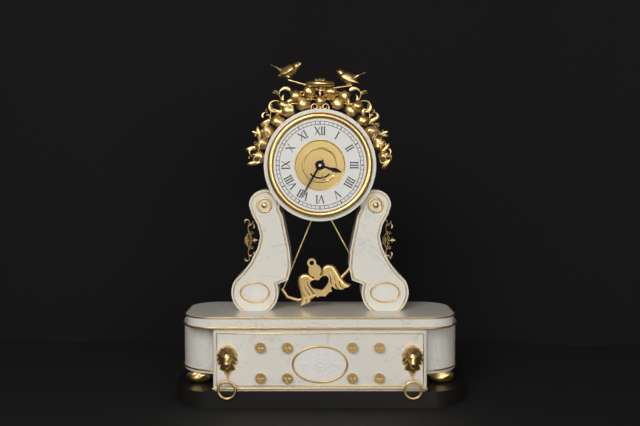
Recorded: h=3 m=35
